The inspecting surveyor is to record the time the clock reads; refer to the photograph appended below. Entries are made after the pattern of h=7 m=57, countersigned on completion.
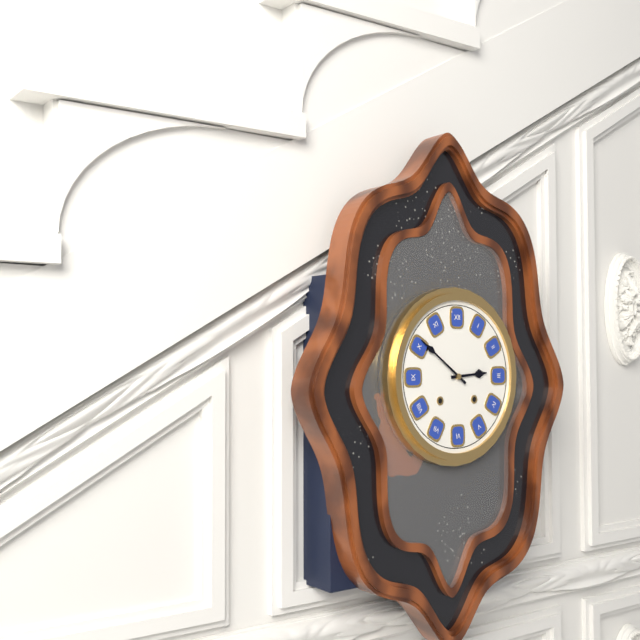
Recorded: h=2 m=51
